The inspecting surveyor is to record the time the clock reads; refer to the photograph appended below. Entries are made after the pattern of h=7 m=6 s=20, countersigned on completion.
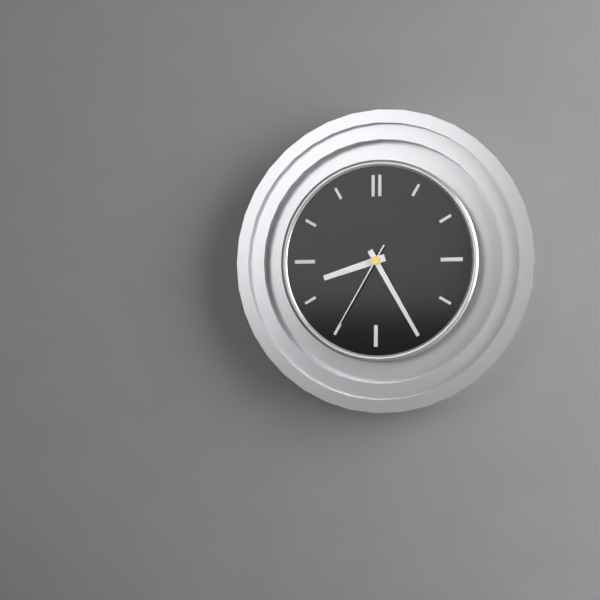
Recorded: h=8 m=25 s=35
